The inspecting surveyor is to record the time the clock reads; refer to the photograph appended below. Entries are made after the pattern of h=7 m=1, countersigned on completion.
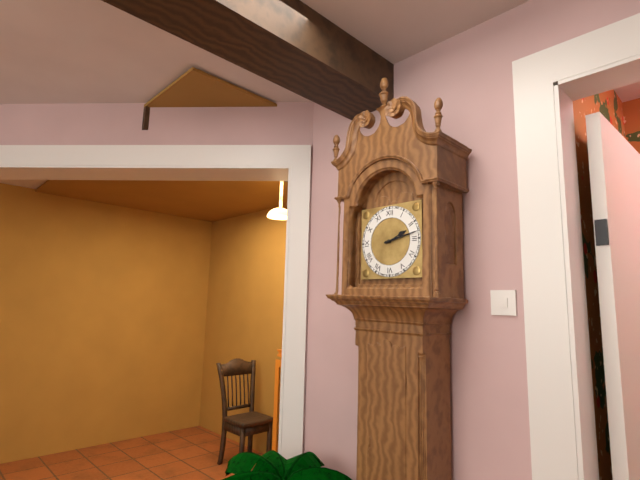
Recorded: h=2 m=13
